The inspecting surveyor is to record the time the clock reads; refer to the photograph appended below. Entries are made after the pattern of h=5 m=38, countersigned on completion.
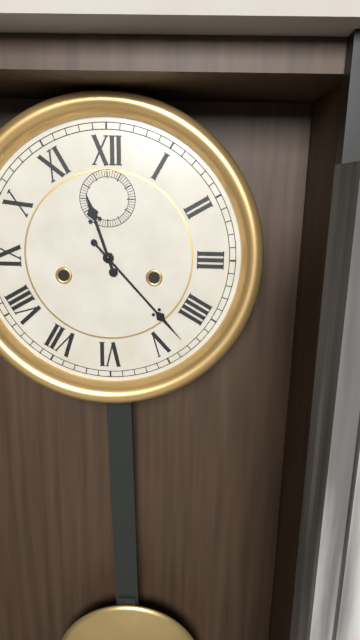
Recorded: h=11 m=23
